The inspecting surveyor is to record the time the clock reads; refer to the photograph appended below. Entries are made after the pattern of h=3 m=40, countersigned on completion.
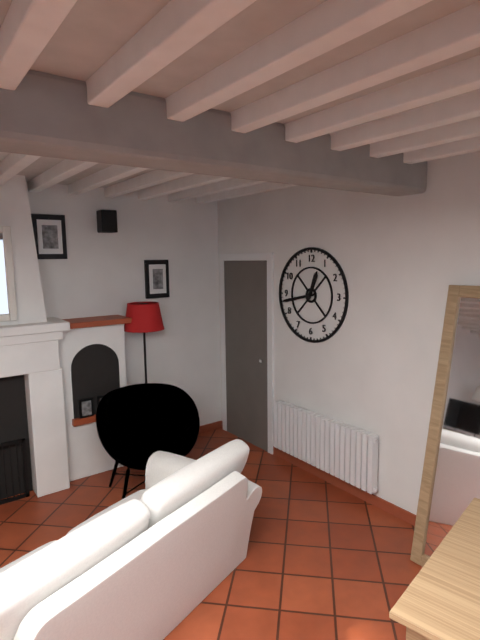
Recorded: h=12 m=43
